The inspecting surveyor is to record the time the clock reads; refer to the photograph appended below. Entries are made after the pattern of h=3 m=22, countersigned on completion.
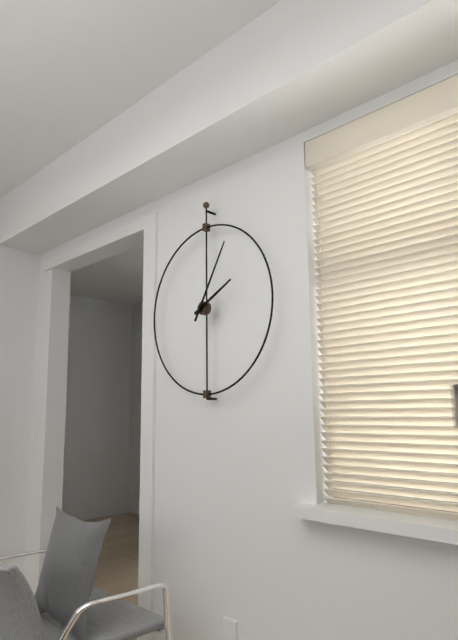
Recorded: h=2 m=5
